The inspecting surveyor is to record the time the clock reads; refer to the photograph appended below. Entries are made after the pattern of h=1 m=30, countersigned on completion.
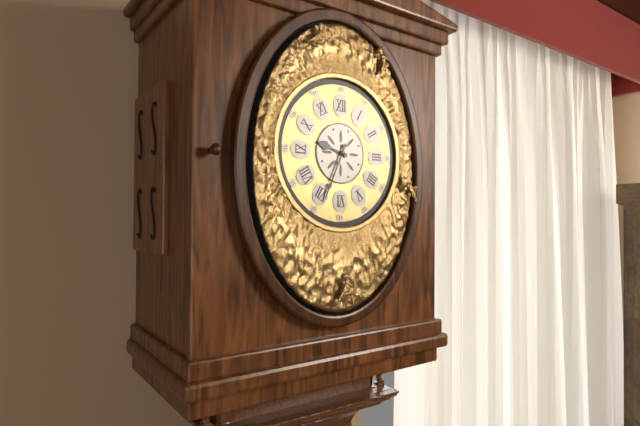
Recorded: h=9 m=34
